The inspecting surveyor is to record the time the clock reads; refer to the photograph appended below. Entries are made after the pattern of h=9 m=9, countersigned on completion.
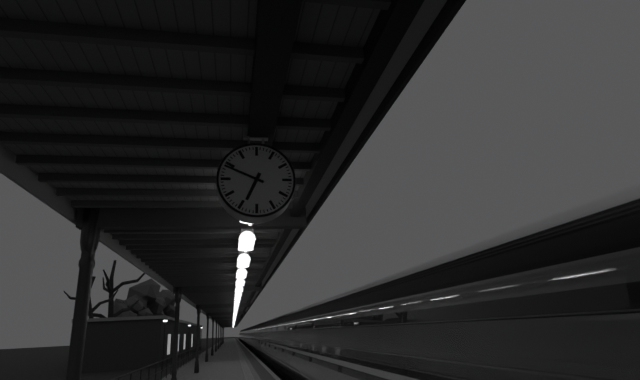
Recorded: h=6 m=49
